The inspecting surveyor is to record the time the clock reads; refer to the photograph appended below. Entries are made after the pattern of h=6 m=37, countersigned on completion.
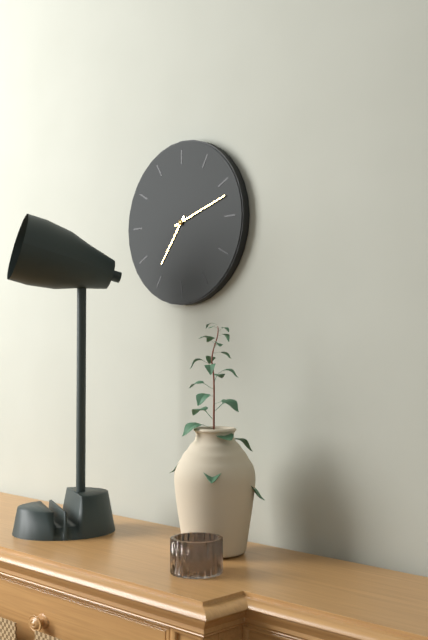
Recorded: h=7 m=12
